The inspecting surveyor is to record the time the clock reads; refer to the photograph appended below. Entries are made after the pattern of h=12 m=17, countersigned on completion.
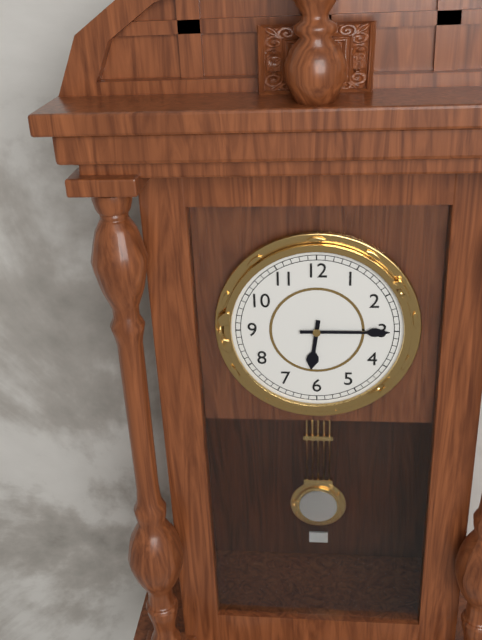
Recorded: h=6 m=15
